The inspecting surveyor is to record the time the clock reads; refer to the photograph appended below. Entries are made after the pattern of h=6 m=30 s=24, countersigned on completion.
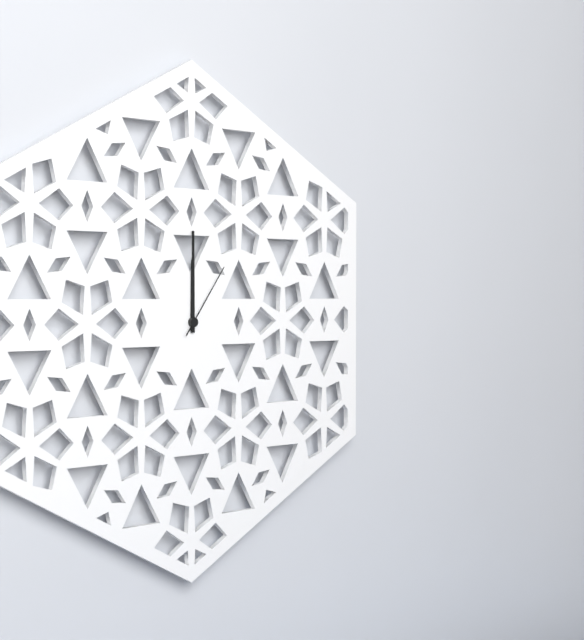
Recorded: h=12 m=0 s=6
